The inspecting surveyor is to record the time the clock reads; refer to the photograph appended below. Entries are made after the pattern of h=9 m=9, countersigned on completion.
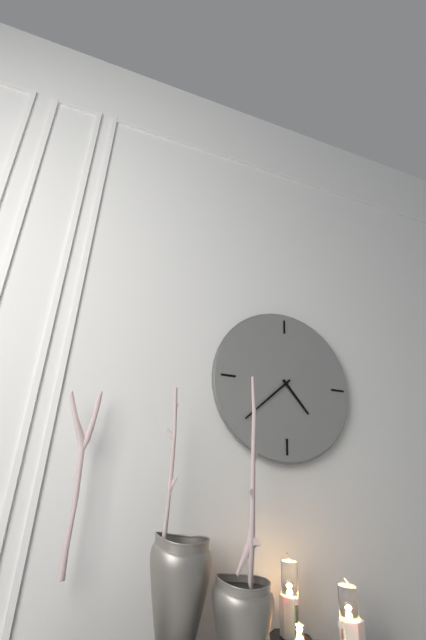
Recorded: h=4 m=38
